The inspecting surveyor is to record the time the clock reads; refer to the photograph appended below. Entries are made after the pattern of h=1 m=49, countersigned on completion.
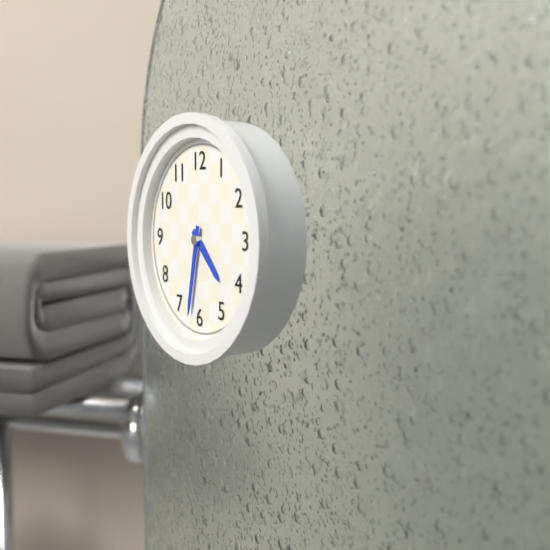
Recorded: h=4 m=32
